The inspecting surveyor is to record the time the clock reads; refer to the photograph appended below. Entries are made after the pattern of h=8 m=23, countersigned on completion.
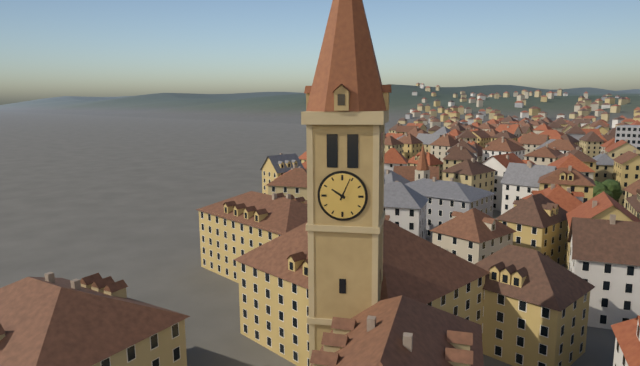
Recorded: h=10 m=4
